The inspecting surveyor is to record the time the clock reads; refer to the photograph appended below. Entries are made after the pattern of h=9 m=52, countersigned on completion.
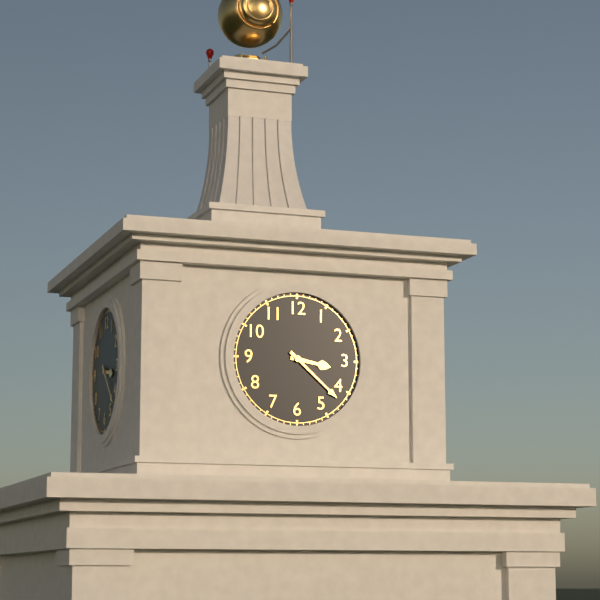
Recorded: h=3 m=22
